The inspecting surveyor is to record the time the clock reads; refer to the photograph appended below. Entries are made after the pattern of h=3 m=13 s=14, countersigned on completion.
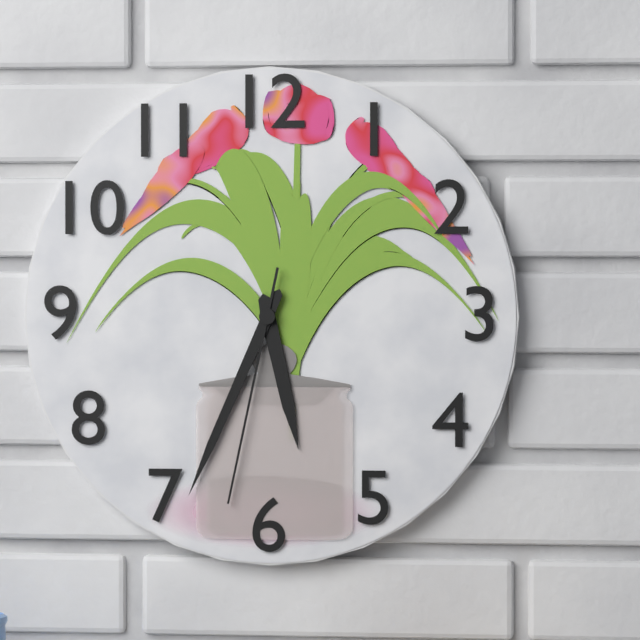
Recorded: h=5 m=34 s=32
